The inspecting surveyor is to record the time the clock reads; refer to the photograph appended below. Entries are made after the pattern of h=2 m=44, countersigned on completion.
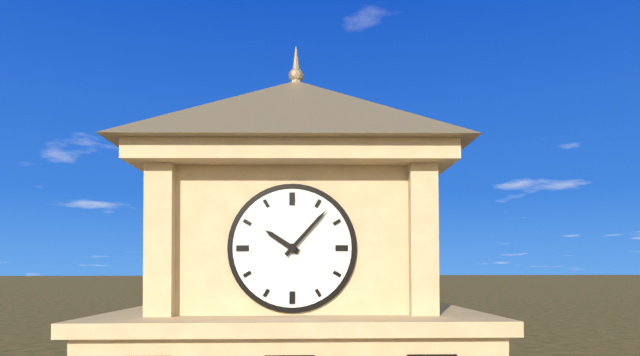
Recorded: h=10 m=7
